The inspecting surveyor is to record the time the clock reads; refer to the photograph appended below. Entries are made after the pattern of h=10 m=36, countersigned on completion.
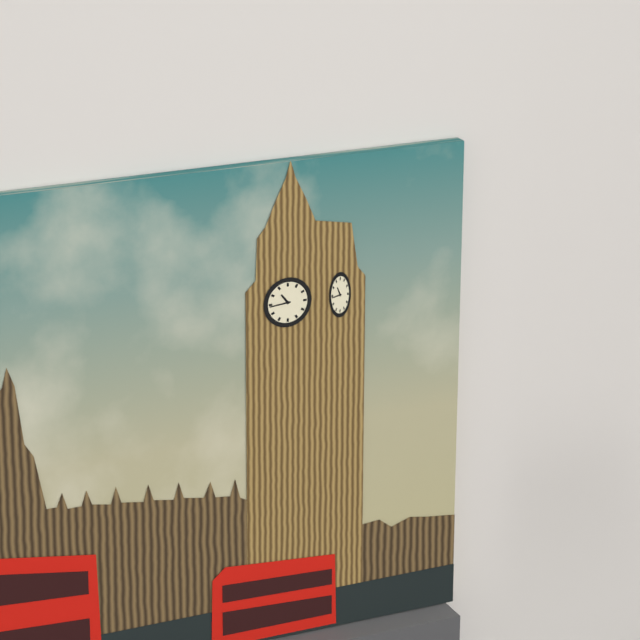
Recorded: h=10 m=44
